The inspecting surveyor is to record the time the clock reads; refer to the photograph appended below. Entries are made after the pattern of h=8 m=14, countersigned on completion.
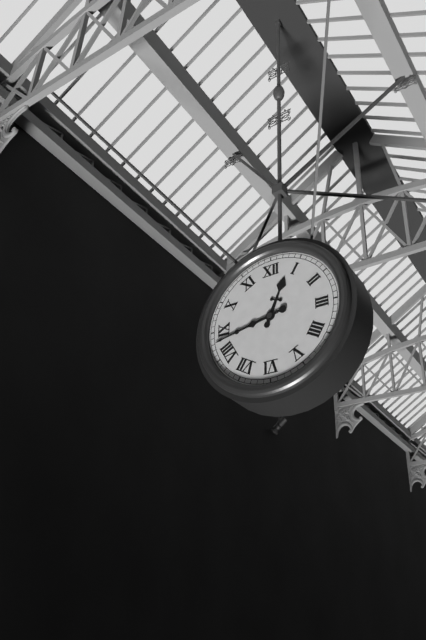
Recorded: h=12 m=43
